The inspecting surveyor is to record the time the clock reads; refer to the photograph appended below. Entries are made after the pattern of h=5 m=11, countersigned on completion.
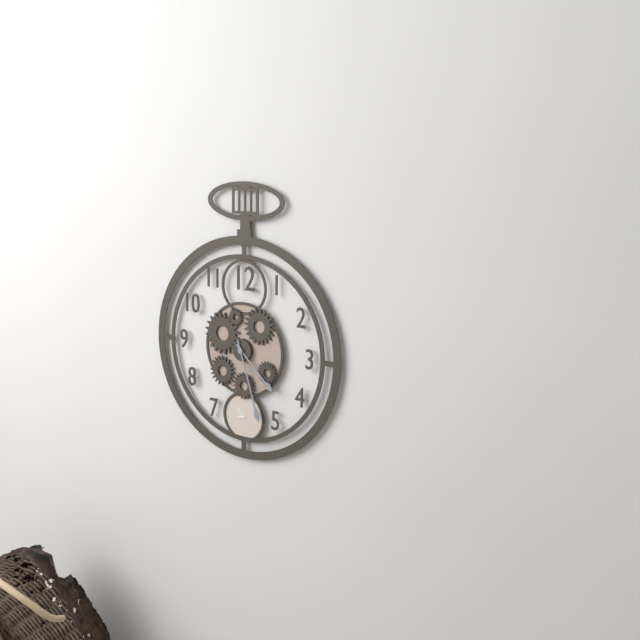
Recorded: h=4 m=27
